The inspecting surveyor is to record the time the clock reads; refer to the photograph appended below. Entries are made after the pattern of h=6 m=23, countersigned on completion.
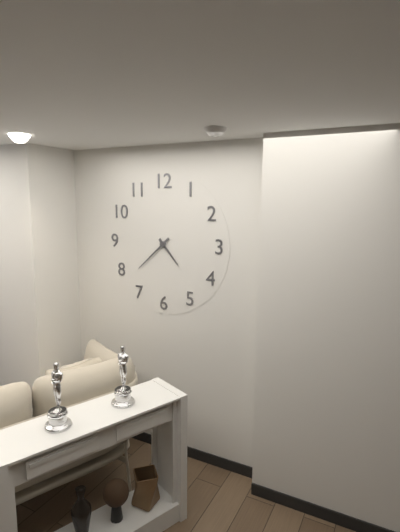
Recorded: h=4 m=38
